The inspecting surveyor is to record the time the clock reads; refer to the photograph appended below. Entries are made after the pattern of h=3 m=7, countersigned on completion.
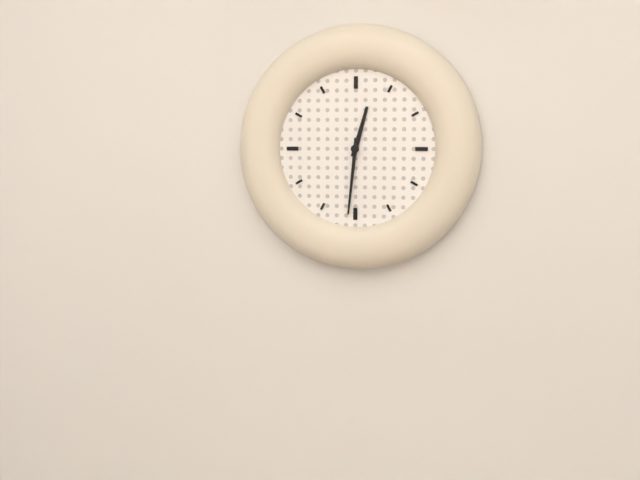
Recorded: h=12 m=31
